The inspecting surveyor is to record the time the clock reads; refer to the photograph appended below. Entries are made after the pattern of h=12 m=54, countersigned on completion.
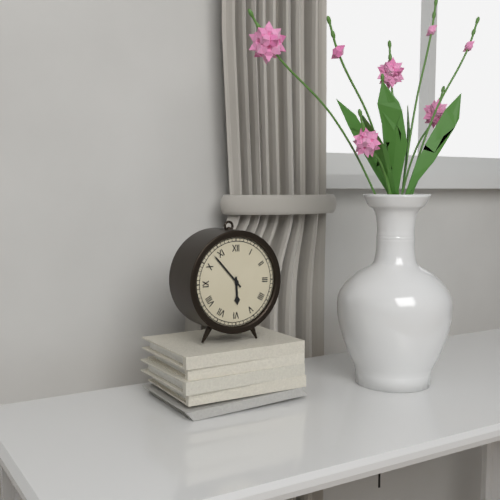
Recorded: h=5 m=53
